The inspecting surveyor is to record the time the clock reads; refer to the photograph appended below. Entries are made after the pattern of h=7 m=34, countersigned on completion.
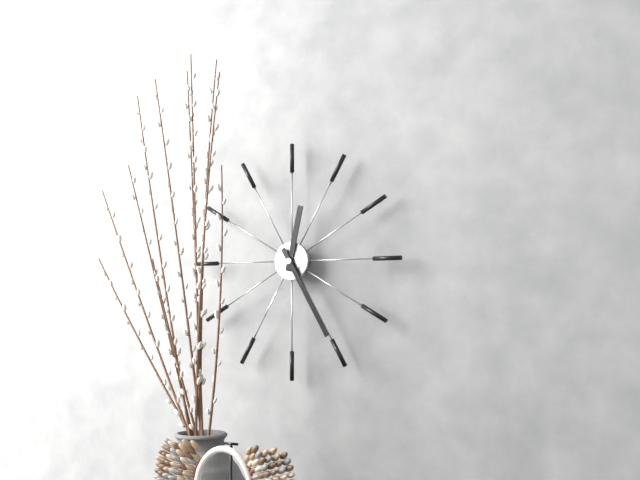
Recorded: h=12 m=25
